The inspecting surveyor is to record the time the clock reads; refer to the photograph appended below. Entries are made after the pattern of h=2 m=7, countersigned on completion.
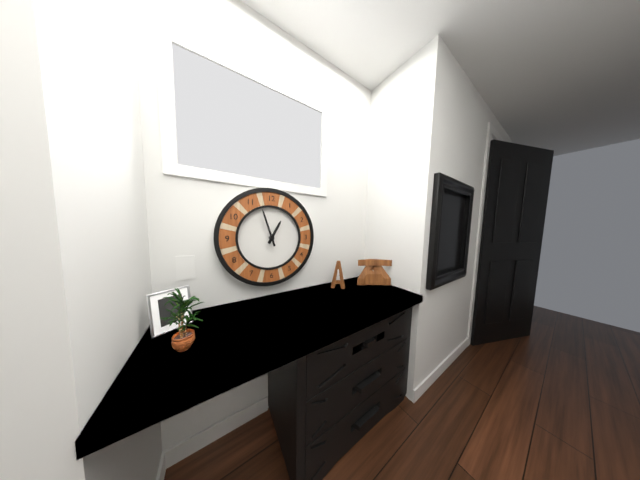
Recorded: h=12 m=57
